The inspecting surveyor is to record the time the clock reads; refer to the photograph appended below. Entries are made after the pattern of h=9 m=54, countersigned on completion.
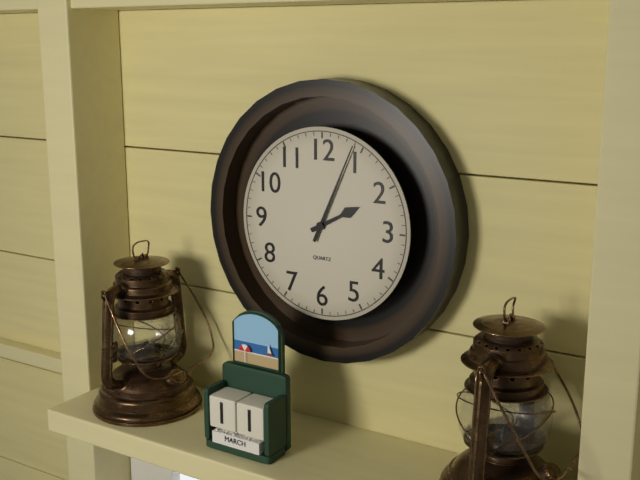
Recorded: h=2 m=4
